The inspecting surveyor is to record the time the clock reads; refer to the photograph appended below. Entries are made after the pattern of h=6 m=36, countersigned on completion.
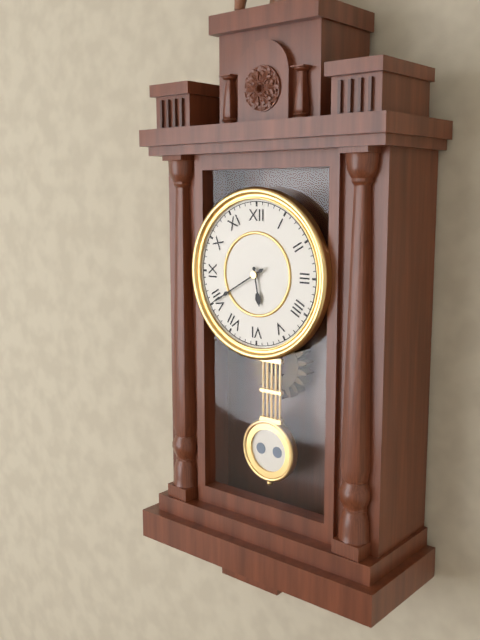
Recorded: h=5 m=40
